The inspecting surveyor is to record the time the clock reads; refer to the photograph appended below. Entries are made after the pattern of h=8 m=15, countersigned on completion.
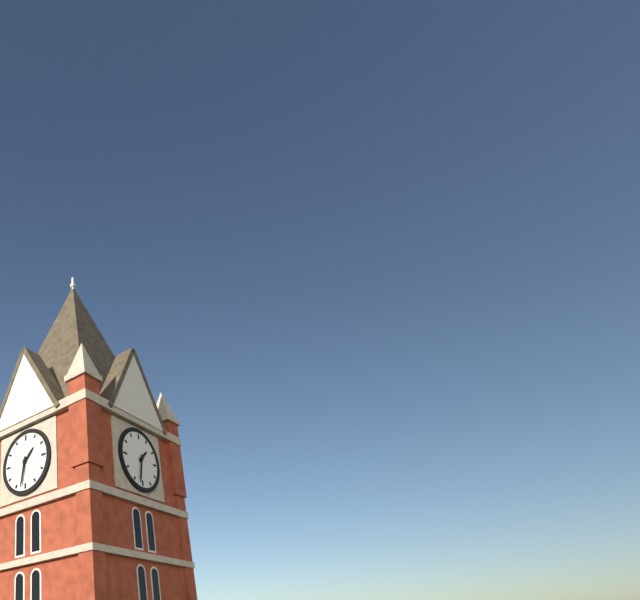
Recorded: h=1 m=32
